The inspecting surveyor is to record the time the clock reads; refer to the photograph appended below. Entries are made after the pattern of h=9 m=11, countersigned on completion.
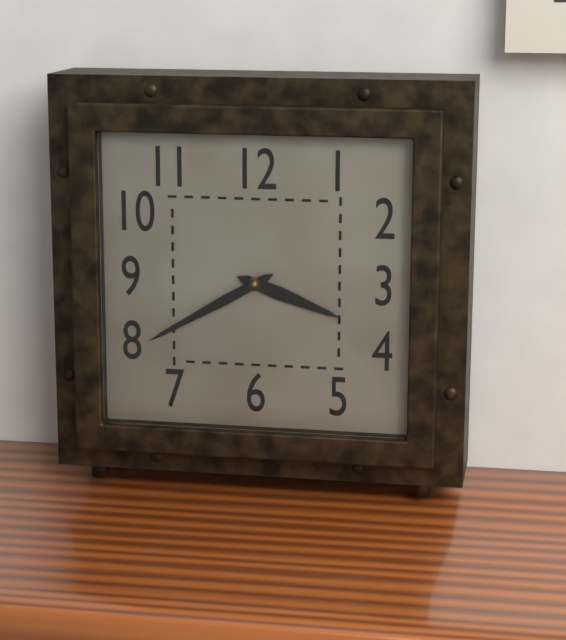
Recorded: h=3 m=40
